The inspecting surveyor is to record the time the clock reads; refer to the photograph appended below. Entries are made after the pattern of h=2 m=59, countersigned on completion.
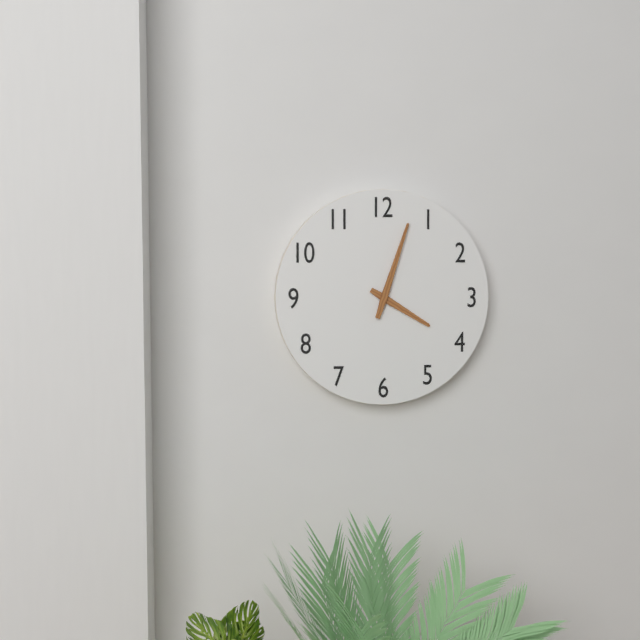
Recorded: h=4 m=3
